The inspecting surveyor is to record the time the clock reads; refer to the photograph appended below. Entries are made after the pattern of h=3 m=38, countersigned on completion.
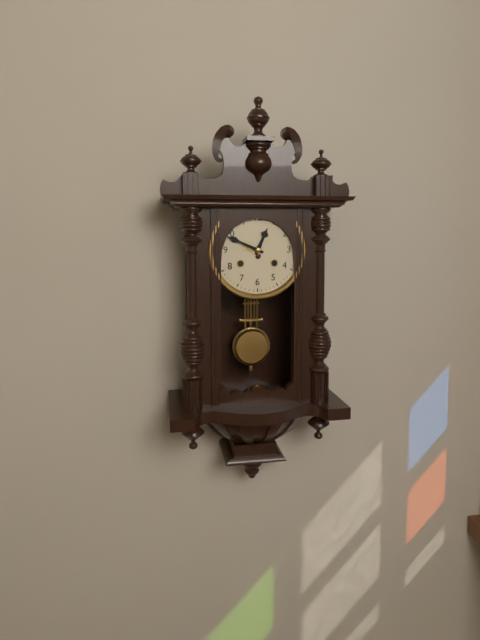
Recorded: h=12 m=49
